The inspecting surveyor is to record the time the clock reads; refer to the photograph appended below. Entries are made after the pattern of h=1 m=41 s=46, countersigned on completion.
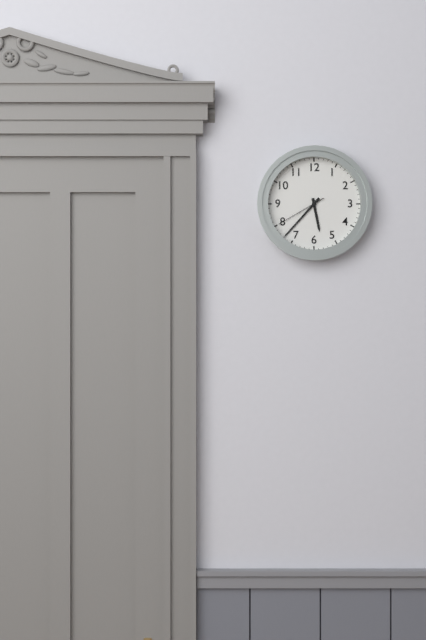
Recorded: h=5 m=37 s=40
